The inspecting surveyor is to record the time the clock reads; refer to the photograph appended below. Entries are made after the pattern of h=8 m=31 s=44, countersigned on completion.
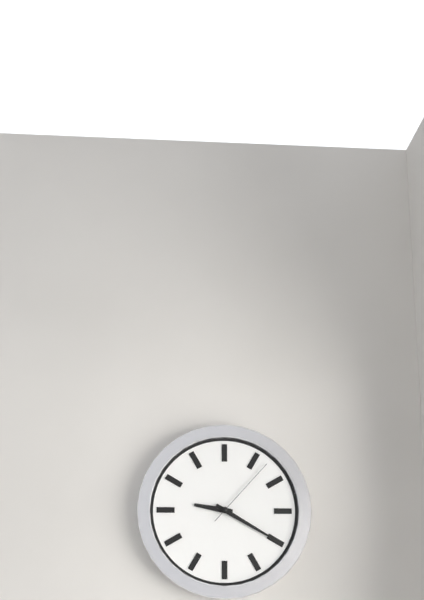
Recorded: h=9 m=20 s=7
